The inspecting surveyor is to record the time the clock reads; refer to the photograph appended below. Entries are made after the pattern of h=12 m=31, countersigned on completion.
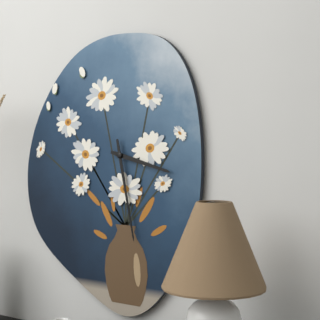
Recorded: h=3 m=28
